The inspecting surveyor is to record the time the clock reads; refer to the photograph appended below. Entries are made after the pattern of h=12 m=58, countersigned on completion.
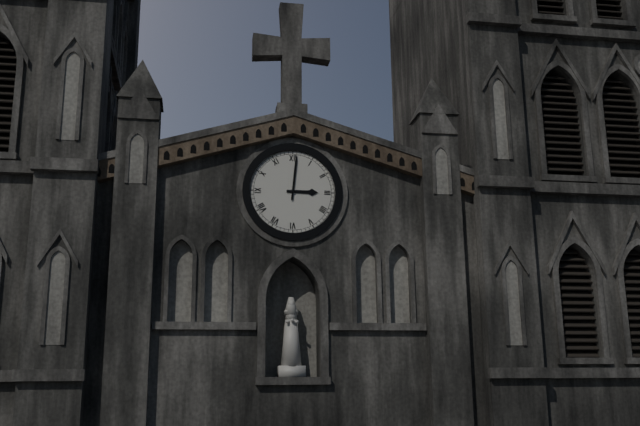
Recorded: h=3 m=1
